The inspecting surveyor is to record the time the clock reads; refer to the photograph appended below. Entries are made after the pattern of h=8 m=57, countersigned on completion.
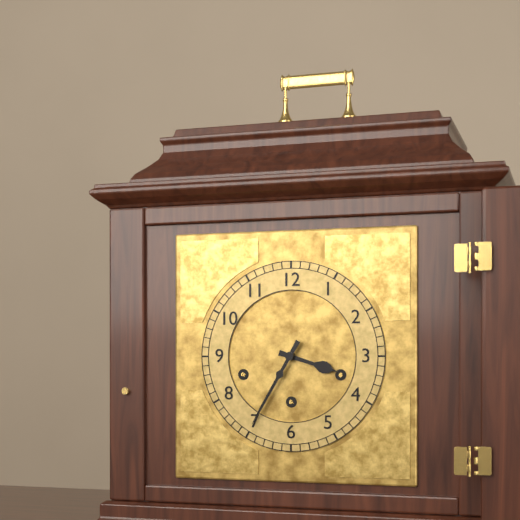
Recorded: h=3 m=35
